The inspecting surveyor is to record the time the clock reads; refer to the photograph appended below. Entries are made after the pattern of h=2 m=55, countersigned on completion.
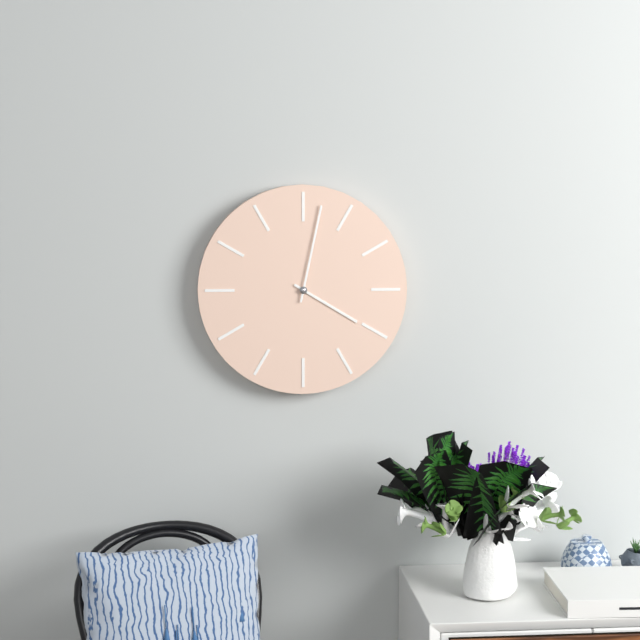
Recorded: h=4 m=2
